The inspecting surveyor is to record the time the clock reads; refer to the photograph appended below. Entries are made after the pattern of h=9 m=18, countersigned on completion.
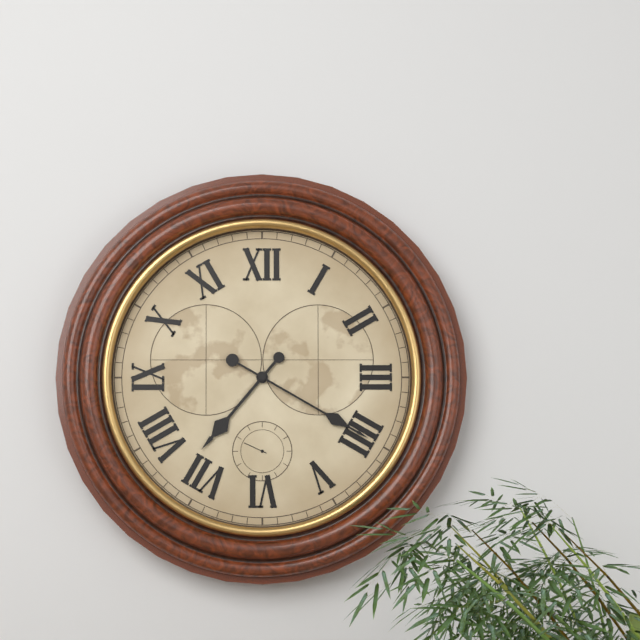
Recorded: h=7 m=20
